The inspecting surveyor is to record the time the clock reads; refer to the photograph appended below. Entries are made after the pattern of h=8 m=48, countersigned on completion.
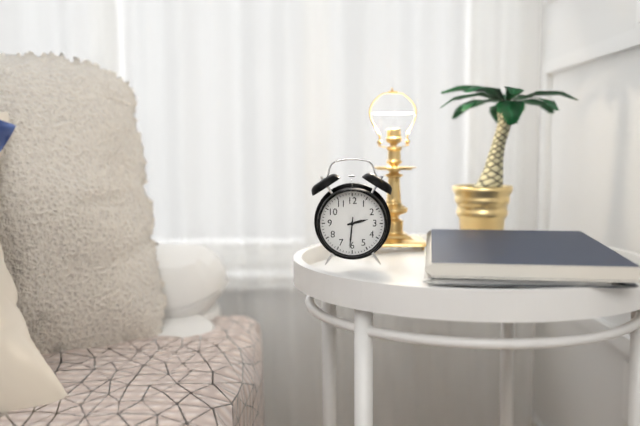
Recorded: h=2 m=31
